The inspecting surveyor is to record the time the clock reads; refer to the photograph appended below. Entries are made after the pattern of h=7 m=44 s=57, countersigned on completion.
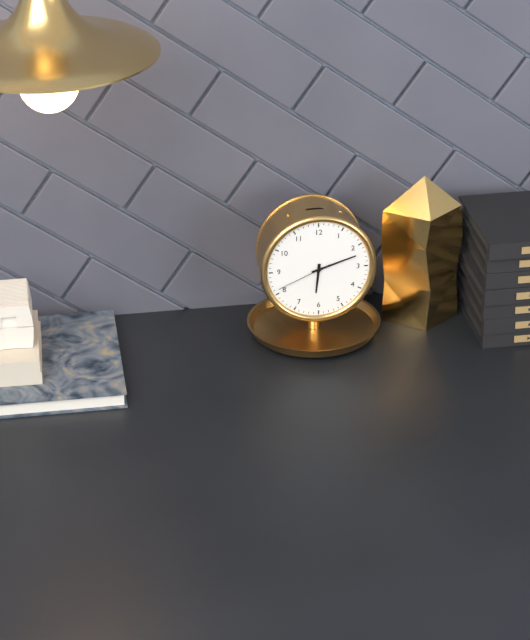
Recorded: h=6 m=12 s=41
